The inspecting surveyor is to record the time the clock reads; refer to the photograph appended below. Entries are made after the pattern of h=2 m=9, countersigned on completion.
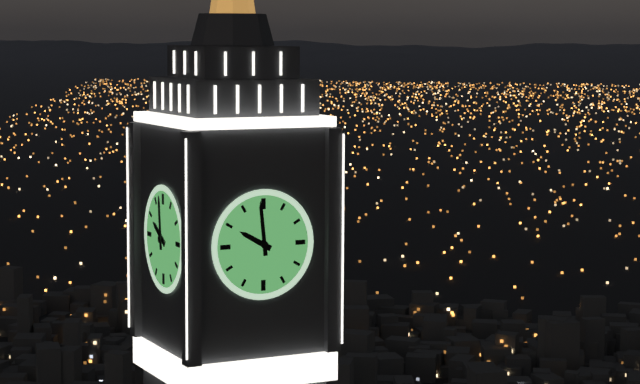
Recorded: h=9 m=59
